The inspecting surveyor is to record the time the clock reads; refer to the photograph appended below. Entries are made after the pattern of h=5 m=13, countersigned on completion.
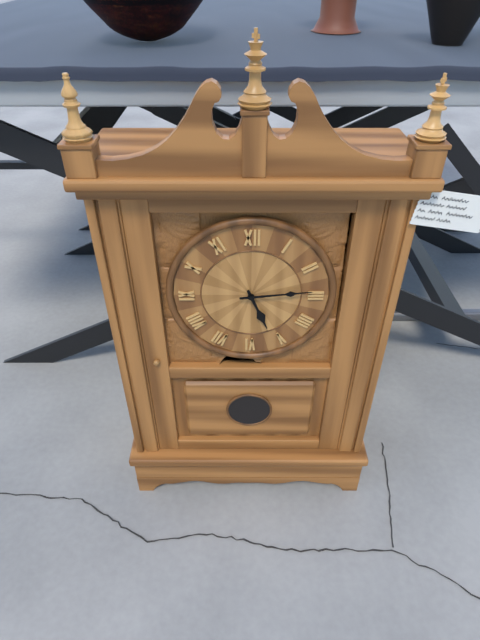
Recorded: h=5 m=14
